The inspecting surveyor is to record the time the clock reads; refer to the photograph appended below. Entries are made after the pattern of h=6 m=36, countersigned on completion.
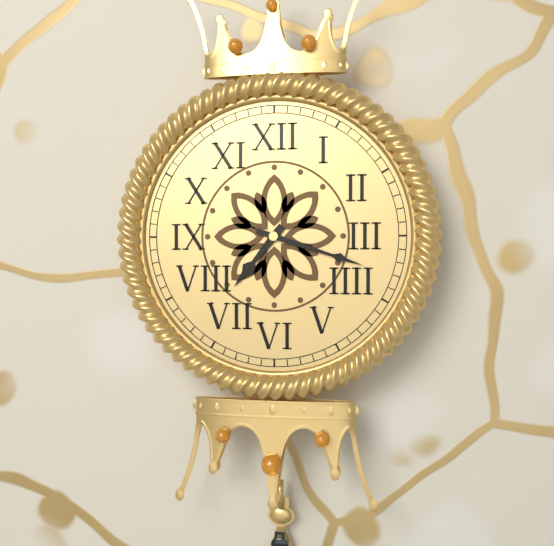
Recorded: h=7 m=18
